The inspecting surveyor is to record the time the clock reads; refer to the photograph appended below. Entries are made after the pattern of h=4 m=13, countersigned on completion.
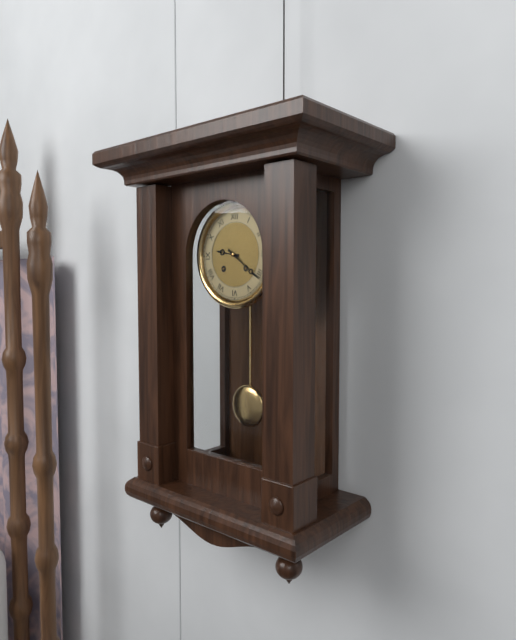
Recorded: h=9 m=21
